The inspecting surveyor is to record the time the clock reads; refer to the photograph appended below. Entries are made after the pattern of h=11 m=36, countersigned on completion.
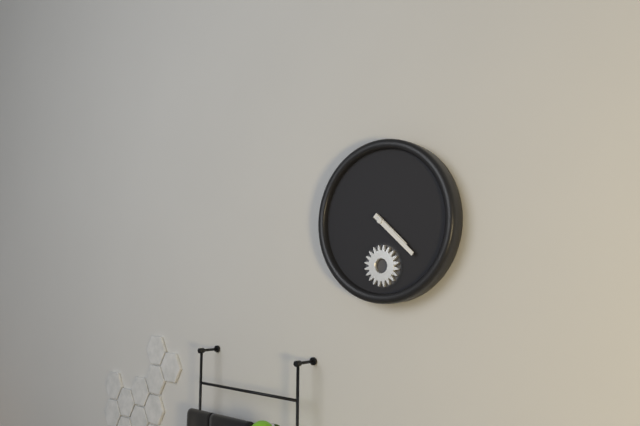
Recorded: h=4 m=22
